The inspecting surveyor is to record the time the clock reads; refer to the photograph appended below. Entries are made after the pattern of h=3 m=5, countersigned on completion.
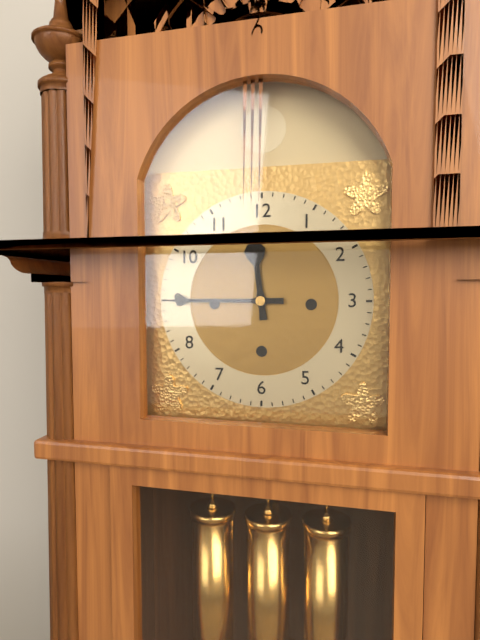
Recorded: h=11 m=45
